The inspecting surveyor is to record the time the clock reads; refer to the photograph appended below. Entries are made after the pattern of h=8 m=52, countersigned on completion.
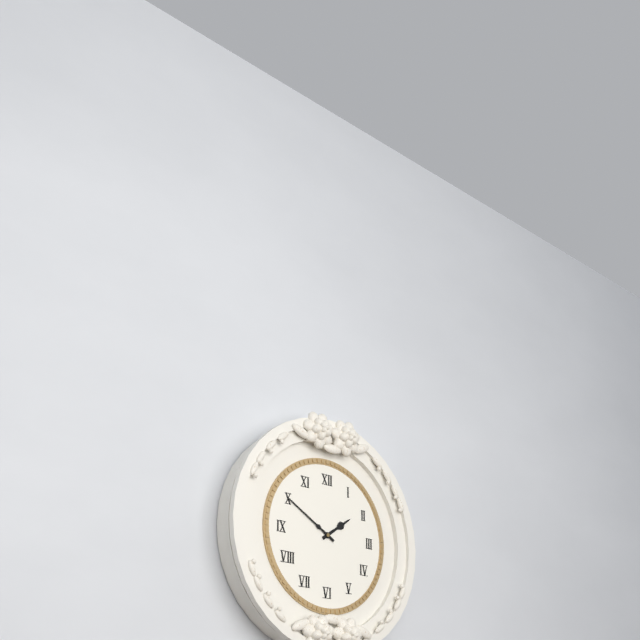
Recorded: h=1 m=50
